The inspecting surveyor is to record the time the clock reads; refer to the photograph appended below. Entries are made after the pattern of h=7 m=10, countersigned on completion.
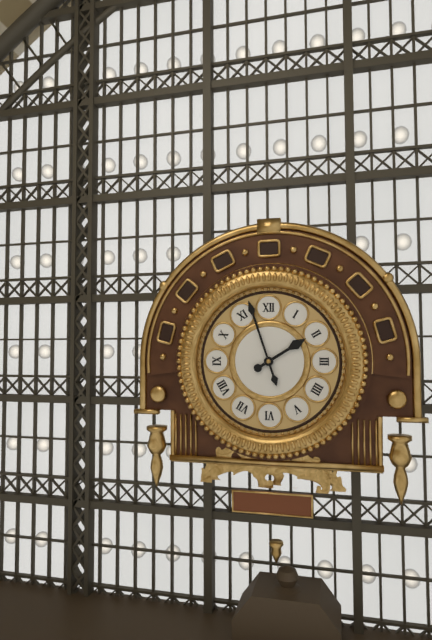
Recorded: h=1 m=57
